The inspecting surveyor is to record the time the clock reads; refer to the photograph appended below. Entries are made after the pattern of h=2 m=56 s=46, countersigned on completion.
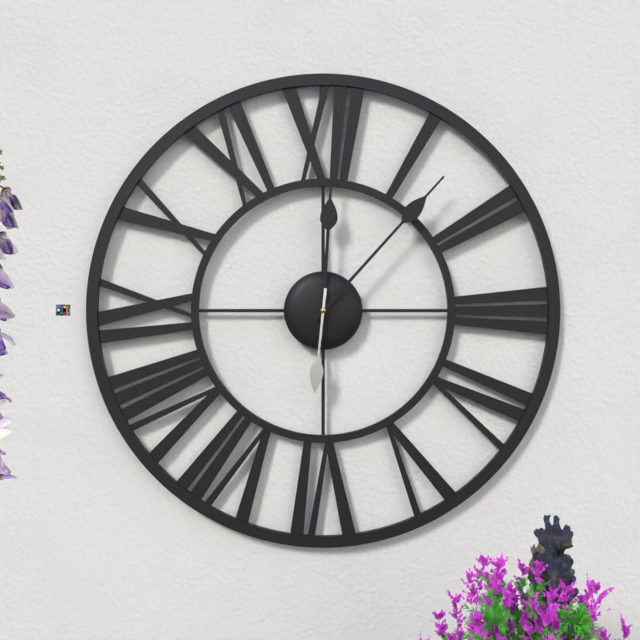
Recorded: h=12 m=7 s=31
